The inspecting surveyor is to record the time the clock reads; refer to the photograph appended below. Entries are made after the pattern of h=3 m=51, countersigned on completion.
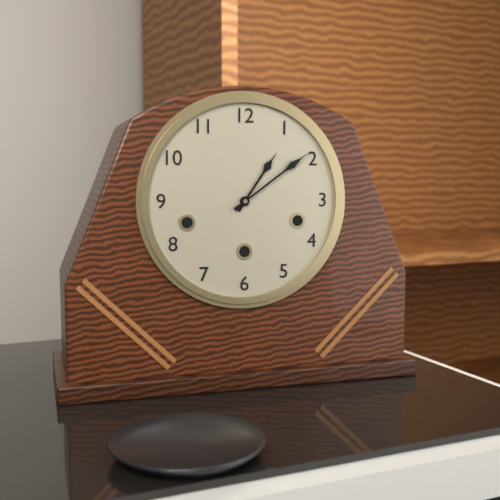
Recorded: h=1 m=9
